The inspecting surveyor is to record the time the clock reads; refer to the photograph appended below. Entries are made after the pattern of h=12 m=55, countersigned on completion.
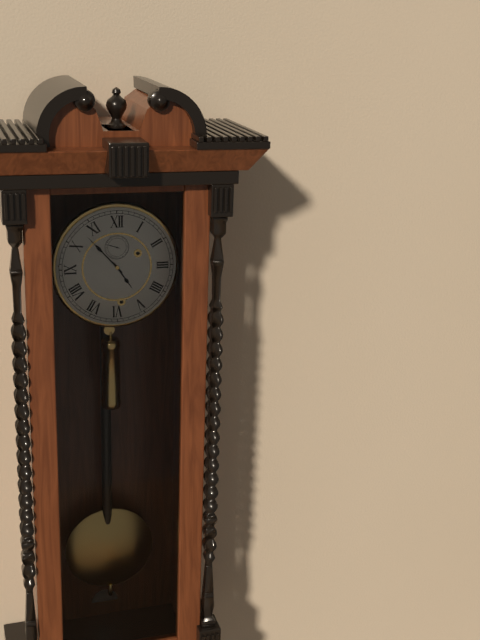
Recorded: h=4 m=53
